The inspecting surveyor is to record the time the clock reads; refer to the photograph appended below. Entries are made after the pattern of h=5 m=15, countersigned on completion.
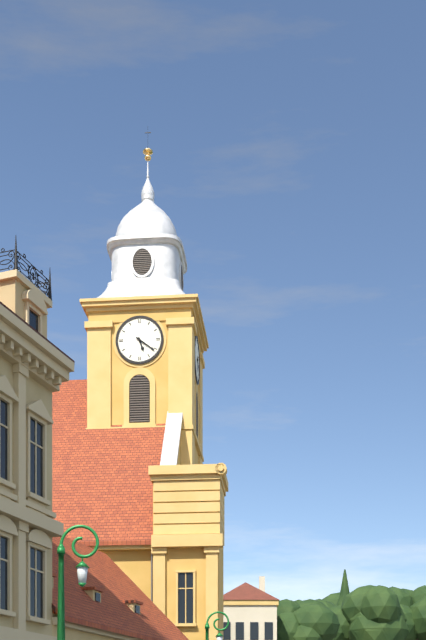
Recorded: h=5 m=21
